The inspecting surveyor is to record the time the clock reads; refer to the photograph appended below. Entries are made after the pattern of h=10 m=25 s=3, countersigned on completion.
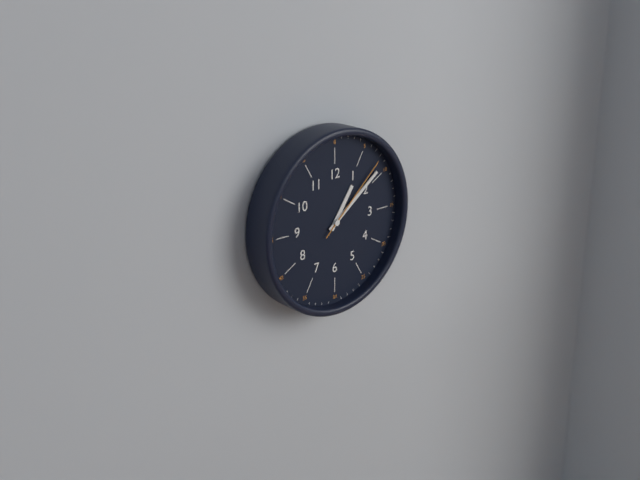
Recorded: h=1 m=9 s=8
